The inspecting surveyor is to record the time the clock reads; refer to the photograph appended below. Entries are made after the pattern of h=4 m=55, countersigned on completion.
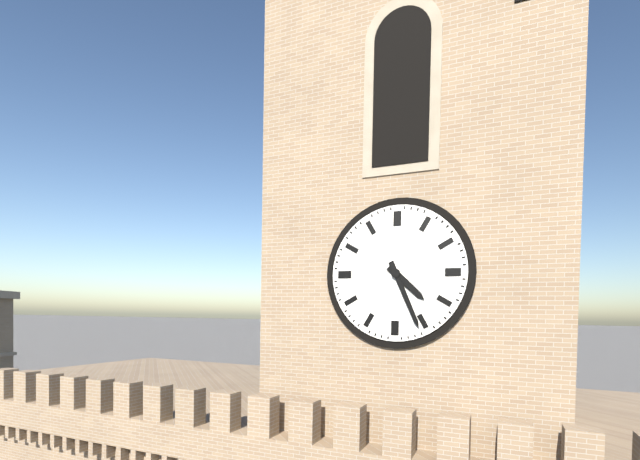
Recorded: h=4 m=26
